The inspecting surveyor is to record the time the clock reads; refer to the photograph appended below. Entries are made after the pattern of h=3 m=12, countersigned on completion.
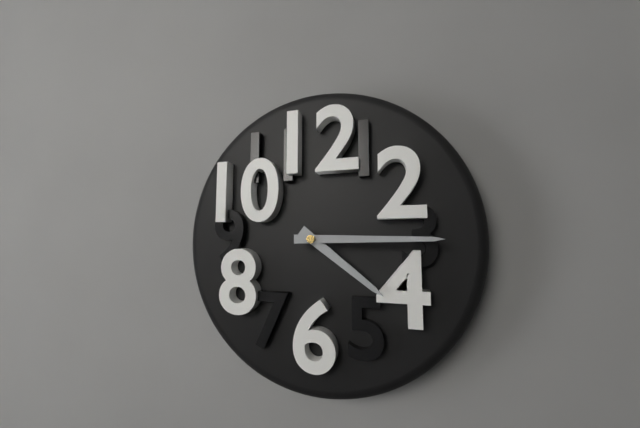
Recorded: h=4 m=15
